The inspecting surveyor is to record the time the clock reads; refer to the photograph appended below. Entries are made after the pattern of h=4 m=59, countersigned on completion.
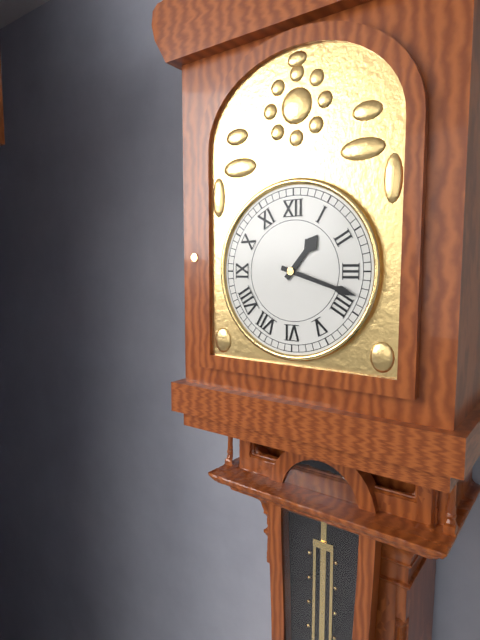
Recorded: h=1 m=18
